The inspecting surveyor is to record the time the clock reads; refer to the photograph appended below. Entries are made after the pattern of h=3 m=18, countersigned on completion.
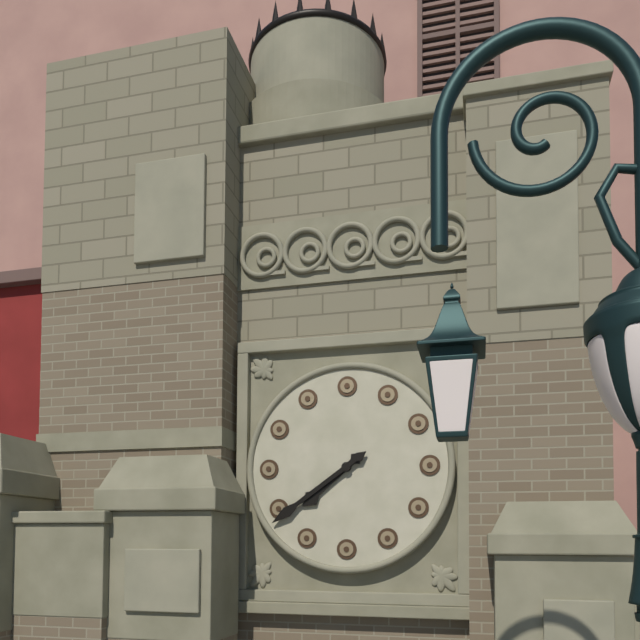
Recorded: h=7 m=39
